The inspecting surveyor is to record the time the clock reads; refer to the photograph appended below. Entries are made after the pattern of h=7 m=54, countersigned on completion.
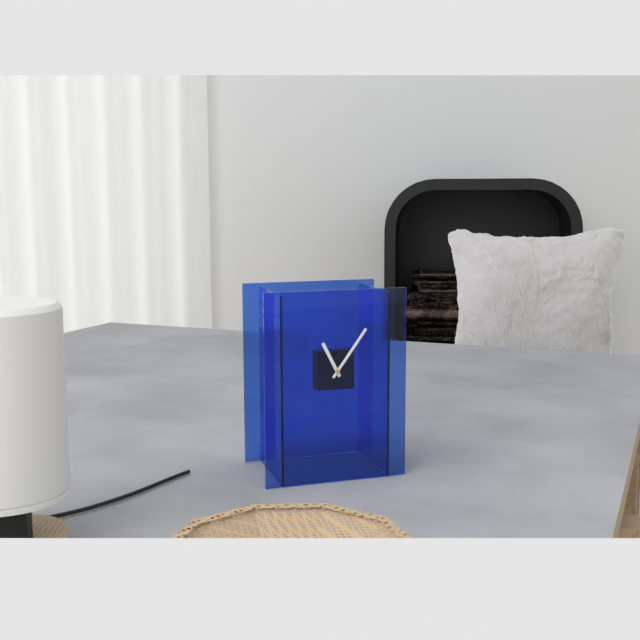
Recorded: h=11 m=6
